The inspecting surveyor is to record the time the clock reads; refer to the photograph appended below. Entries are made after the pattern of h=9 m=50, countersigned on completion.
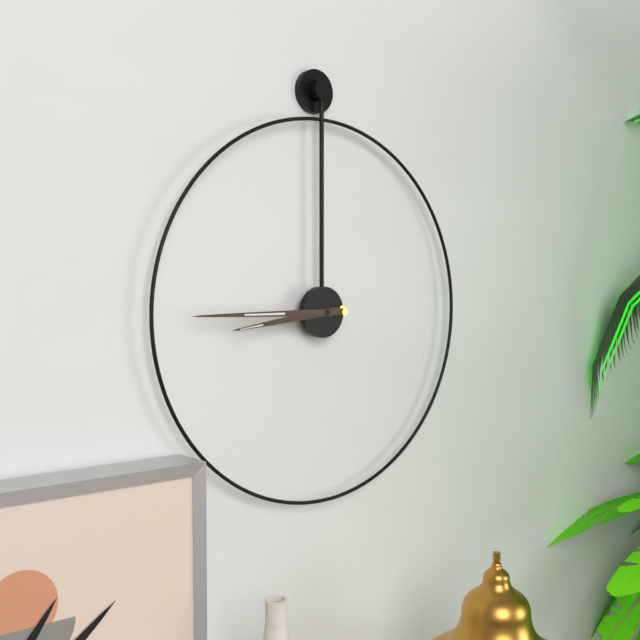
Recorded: h=8 m=45
